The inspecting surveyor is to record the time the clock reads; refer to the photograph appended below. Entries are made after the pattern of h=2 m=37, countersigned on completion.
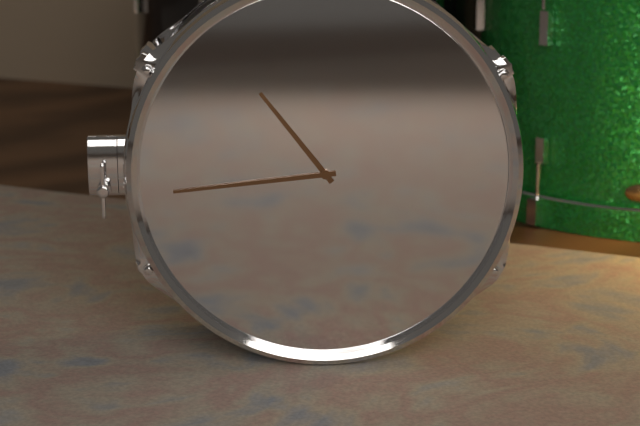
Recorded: h=10 m=44
